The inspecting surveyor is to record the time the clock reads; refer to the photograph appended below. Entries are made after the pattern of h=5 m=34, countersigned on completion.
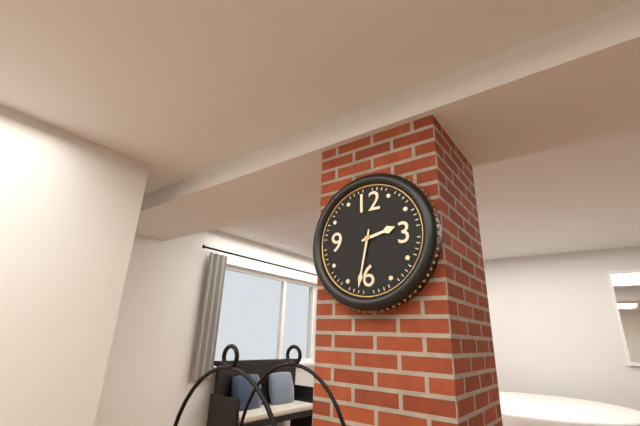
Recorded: h=2 m=32
